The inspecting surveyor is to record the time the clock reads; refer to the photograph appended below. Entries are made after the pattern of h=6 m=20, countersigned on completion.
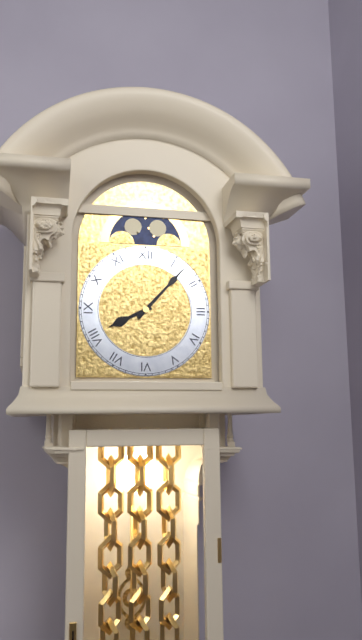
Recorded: h=8 m=7
